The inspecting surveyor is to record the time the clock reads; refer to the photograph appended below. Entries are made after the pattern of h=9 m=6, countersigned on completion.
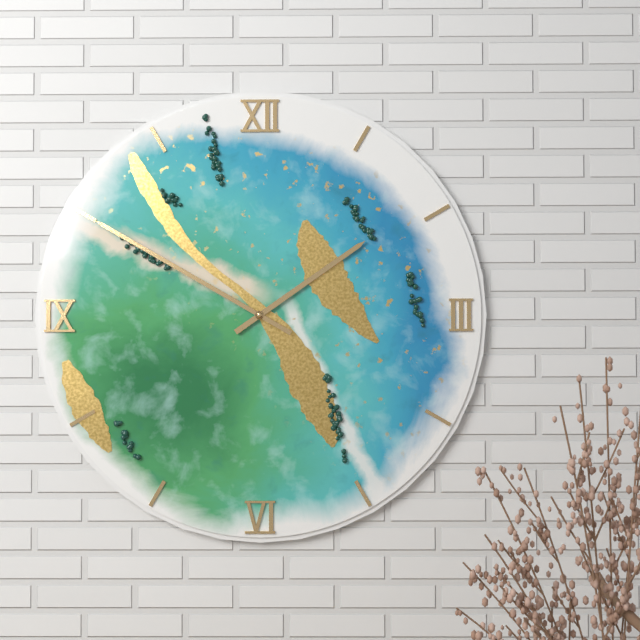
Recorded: h=1 m=50
